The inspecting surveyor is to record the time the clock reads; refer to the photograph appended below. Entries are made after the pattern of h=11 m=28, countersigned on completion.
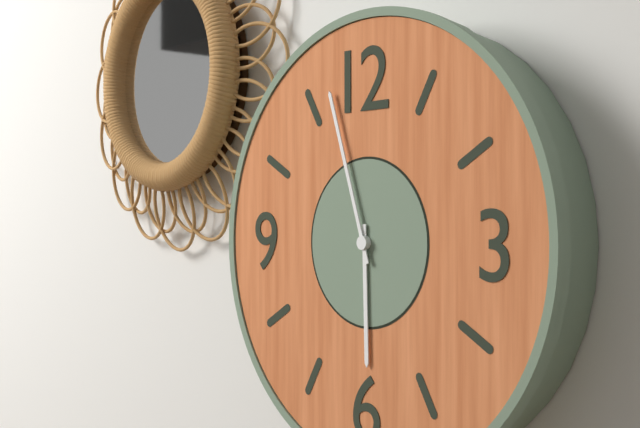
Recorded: h=5 m=57
